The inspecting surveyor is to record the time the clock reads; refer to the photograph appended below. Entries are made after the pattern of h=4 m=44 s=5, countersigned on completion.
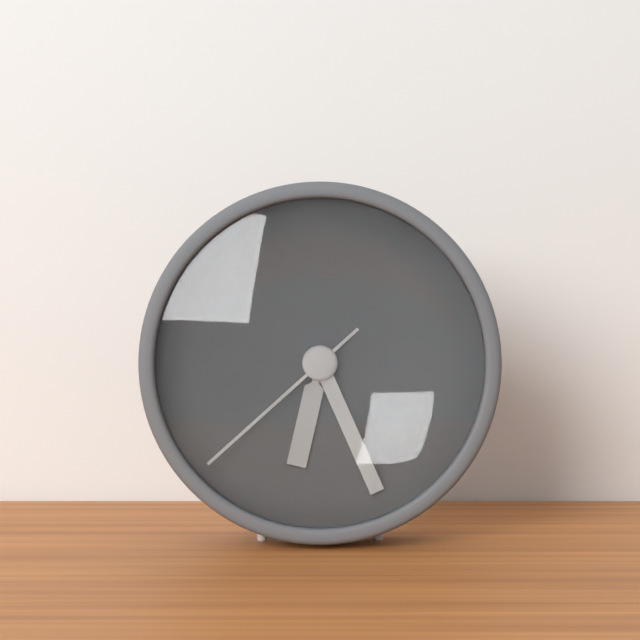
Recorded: h=6 m=26 s=38
